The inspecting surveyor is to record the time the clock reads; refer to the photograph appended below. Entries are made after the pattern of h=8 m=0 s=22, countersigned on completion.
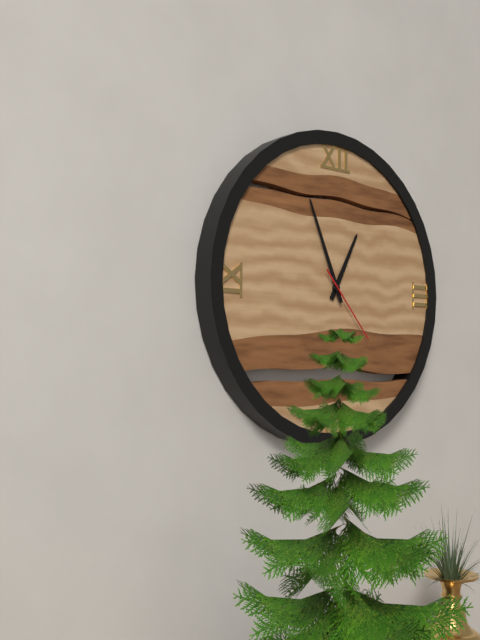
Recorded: h=12 m=56 s=23
